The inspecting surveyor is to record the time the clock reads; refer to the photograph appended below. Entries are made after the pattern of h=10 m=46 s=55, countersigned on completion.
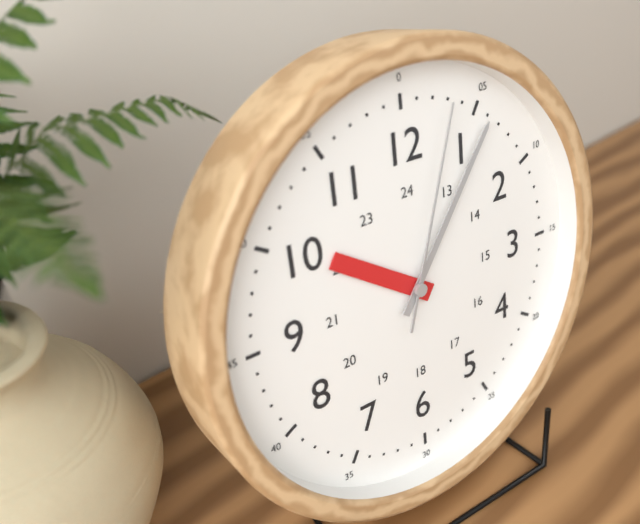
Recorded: h=10 m=6 s=3
